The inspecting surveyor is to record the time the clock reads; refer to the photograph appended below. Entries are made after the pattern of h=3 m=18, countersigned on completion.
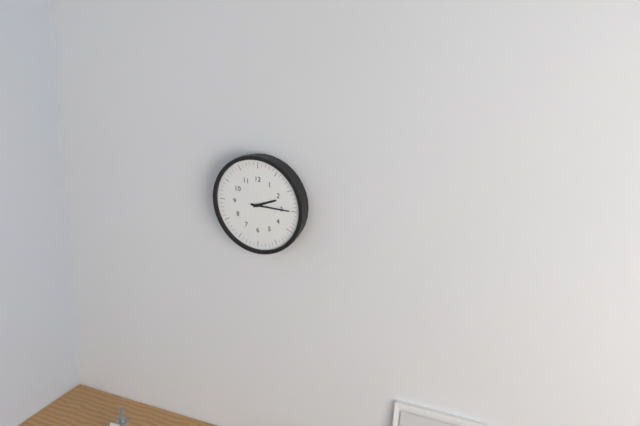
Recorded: h=2 m=15
